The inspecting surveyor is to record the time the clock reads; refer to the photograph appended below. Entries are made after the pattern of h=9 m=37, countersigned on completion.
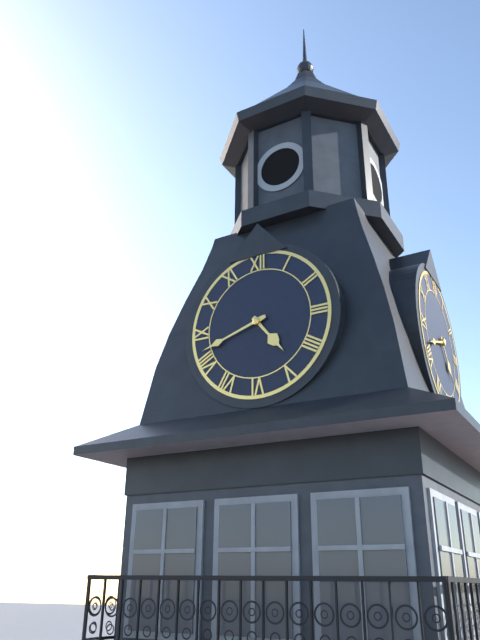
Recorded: h=4 m=42
